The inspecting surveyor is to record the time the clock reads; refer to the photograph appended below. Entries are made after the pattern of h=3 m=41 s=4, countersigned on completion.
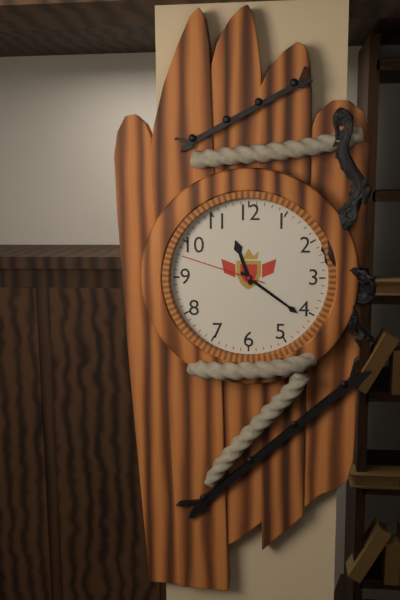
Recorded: h=11 m=21 s=48
